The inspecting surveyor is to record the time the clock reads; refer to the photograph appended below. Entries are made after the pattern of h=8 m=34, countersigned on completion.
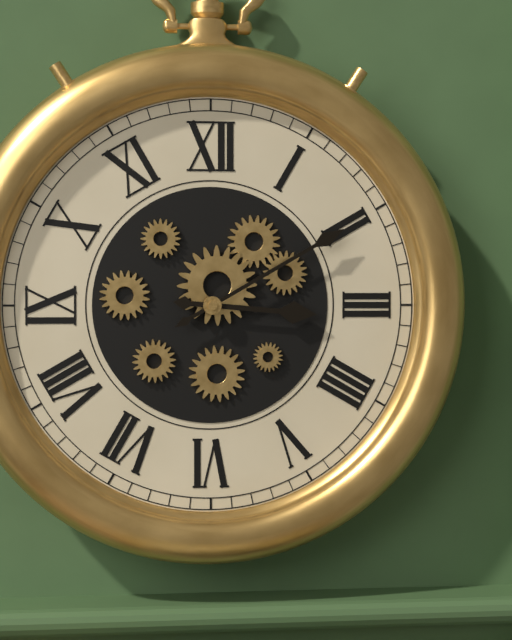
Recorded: h=3 m=10
